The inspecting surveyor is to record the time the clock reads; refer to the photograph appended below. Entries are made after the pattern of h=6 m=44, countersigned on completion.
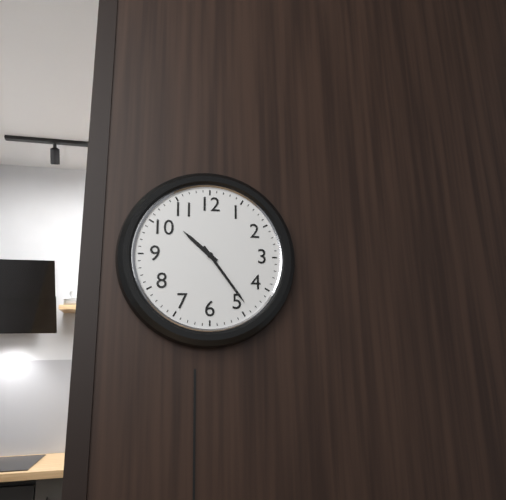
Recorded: h=10 m=24
